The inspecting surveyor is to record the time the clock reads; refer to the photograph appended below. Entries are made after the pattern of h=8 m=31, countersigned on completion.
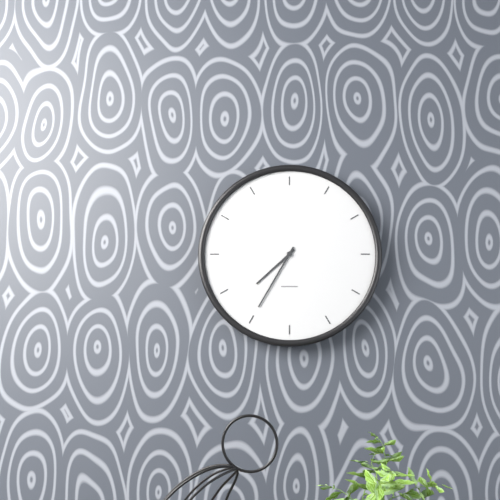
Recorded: h=7 m=35
